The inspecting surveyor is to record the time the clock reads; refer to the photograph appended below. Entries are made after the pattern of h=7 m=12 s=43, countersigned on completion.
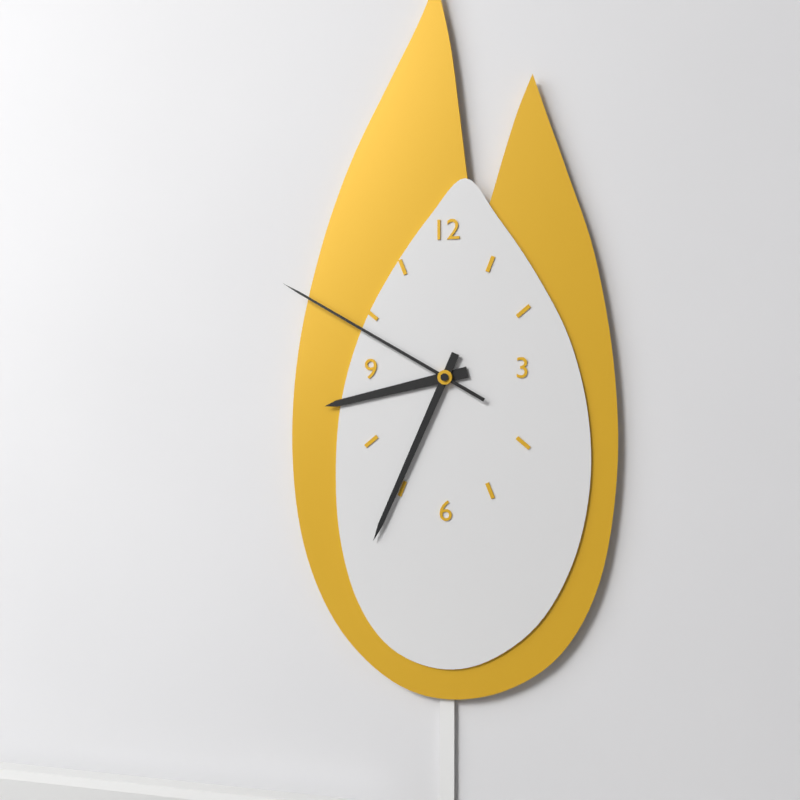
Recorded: h=8 m=34 s=50
